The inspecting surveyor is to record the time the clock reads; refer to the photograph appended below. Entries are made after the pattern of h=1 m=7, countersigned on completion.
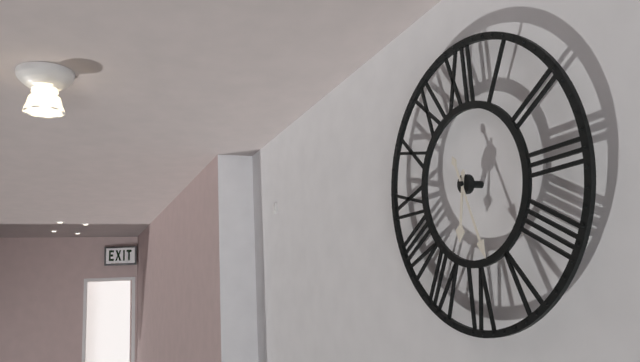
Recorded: h=6 m=27
